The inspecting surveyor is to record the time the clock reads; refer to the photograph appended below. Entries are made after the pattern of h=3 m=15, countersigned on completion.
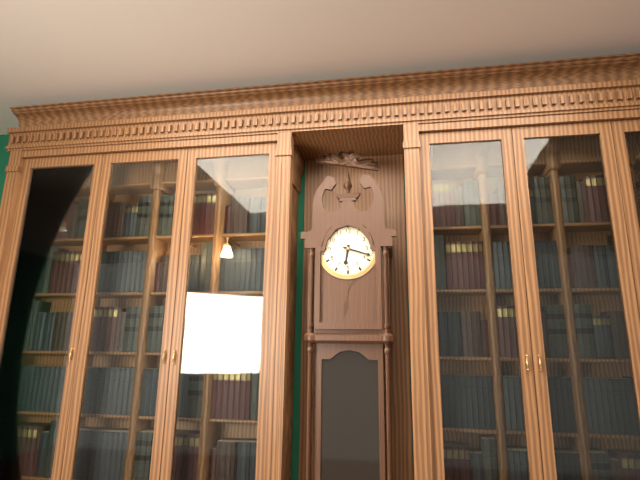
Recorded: h=6 m=18
